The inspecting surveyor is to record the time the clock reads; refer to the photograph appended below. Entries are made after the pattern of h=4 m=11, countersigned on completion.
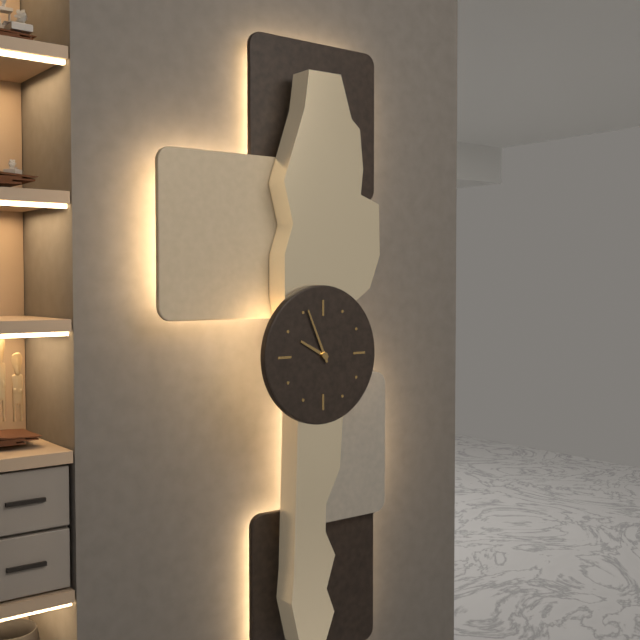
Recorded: h=9 m=56
